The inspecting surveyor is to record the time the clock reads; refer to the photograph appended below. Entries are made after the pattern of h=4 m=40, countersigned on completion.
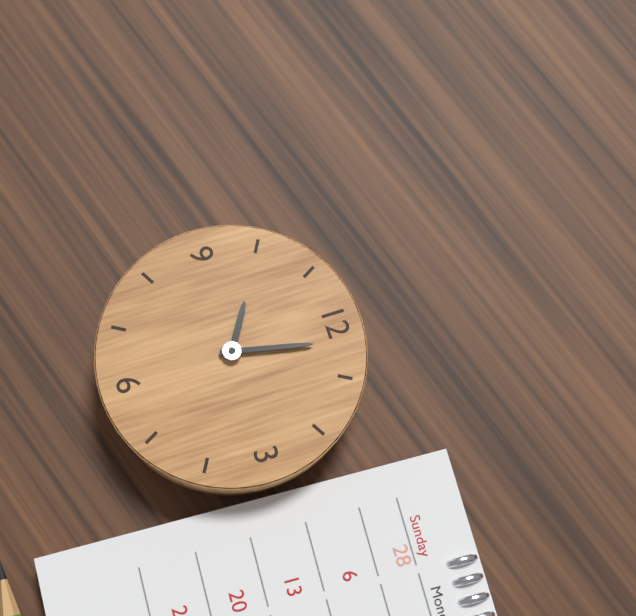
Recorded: h=10 m=2
